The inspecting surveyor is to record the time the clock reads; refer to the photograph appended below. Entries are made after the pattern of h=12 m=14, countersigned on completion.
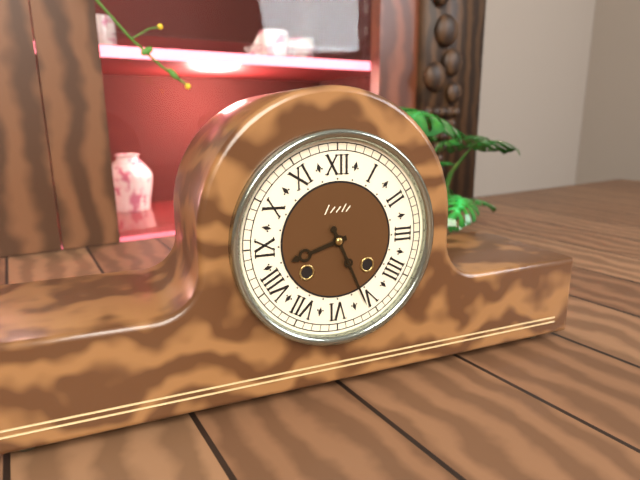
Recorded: h=8 m=26
